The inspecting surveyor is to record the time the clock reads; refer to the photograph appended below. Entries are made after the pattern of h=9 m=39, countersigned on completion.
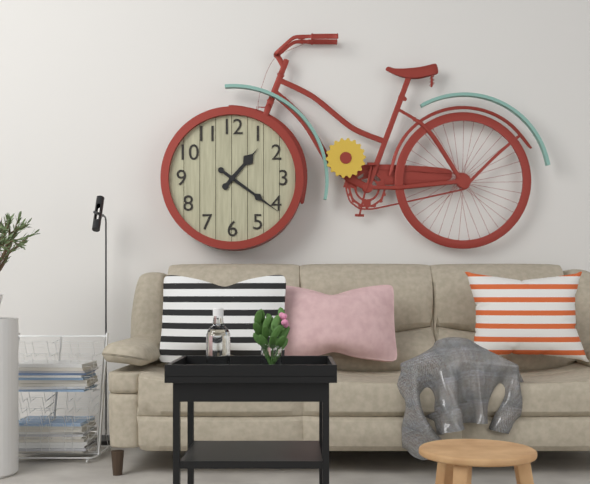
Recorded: h=1 m=21
